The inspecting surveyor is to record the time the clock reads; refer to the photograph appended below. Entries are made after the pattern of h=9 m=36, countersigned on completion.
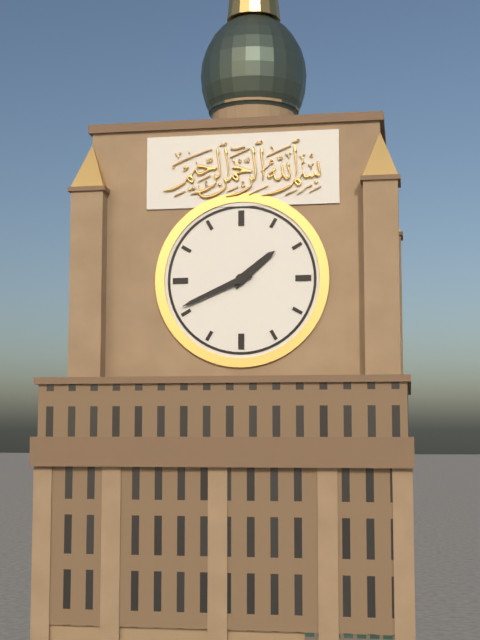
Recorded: h=1 m=41
